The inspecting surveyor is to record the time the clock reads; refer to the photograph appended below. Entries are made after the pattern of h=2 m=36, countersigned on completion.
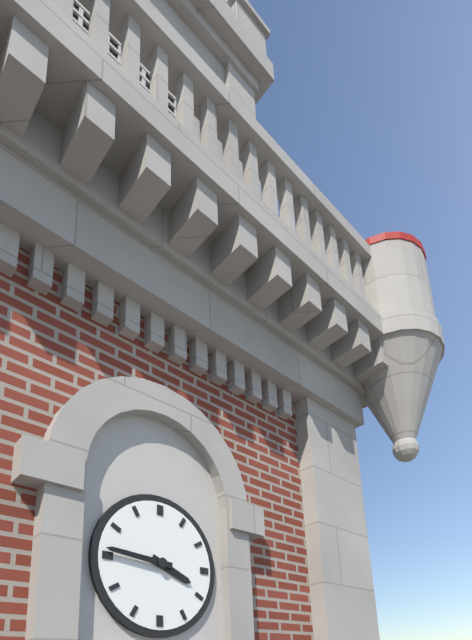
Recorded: h=3 m=46
